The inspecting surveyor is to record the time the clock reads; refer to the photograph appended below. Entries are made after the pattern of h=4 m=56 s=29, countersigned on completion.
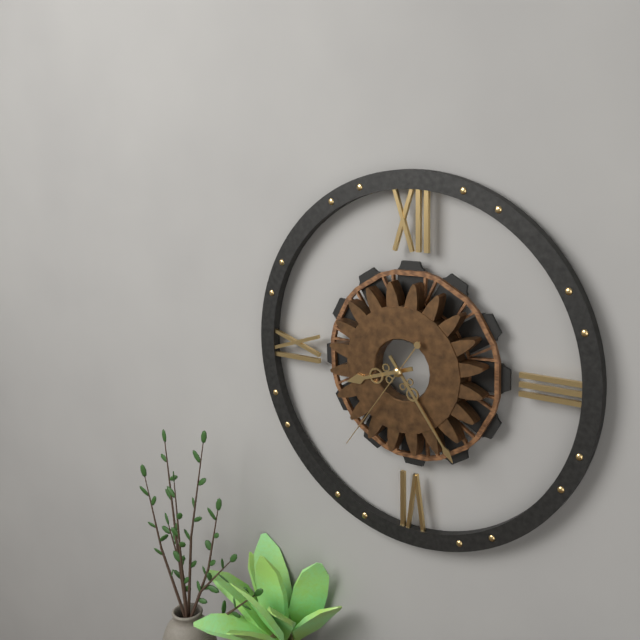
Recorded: h=8 m=24 s=36
